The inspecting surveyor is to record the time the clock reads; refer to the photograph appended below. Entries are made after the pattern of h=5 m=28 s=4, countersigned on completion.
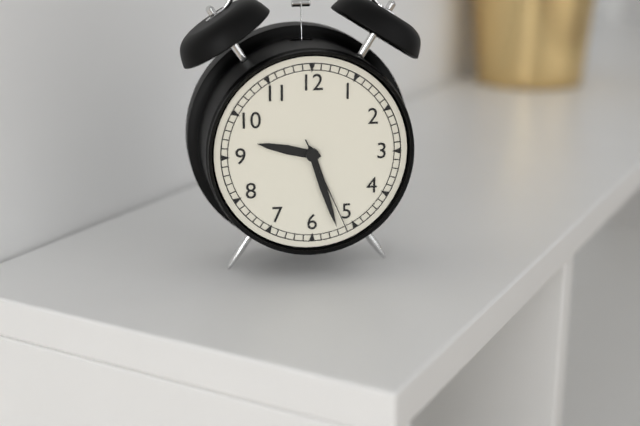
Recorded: h=9 m=27 s=26
